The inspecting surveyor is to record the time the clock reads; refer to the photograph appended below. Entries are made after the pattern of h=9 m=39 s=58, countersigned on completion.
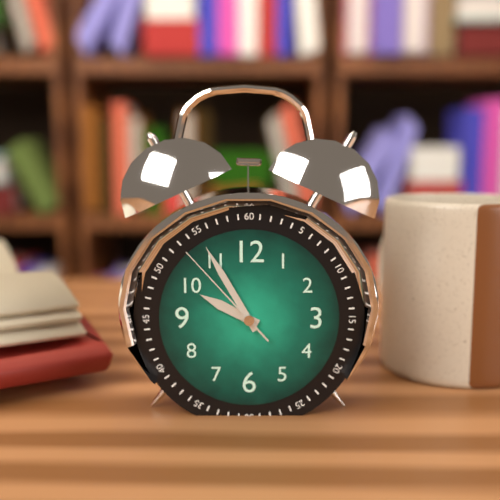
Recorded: h=9 m=55 s=53
